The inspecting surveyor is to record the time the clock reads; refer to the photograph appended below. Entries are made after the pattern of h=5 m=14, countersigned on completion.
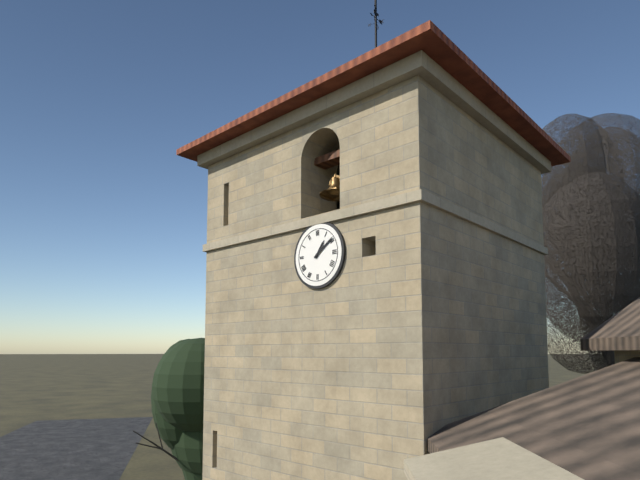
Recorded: h=1 m=9
